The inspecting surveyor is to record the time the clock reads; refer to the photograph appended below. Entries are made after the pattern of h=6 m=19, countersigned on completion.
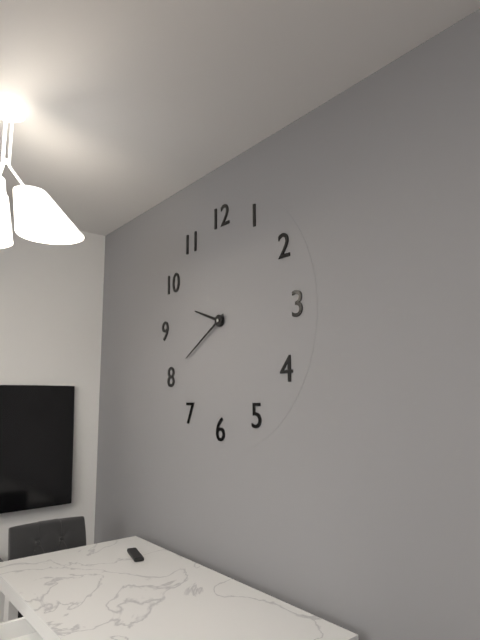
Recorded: h=9 m=40
